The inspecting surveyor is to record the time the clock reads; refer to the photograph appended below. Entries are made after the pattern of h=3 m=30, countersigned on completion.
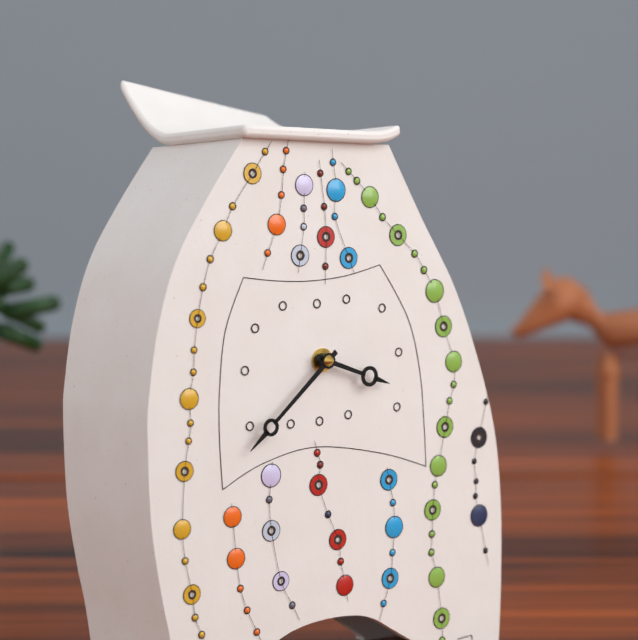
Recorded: h=3 m=38
